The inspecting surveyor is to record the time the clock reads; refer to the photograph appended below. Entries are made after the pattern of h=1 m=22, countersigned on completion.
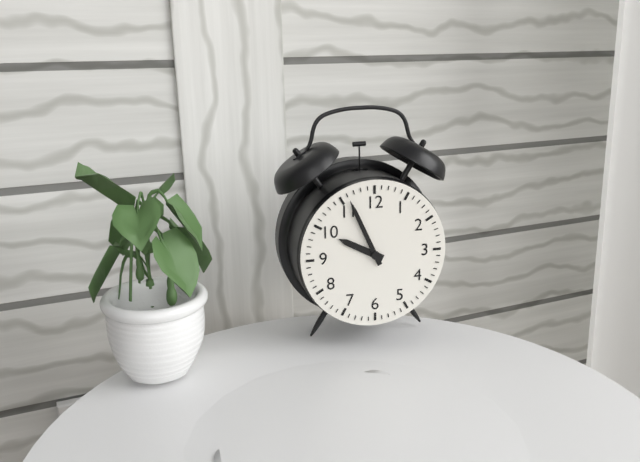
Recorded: h=9 m=56
